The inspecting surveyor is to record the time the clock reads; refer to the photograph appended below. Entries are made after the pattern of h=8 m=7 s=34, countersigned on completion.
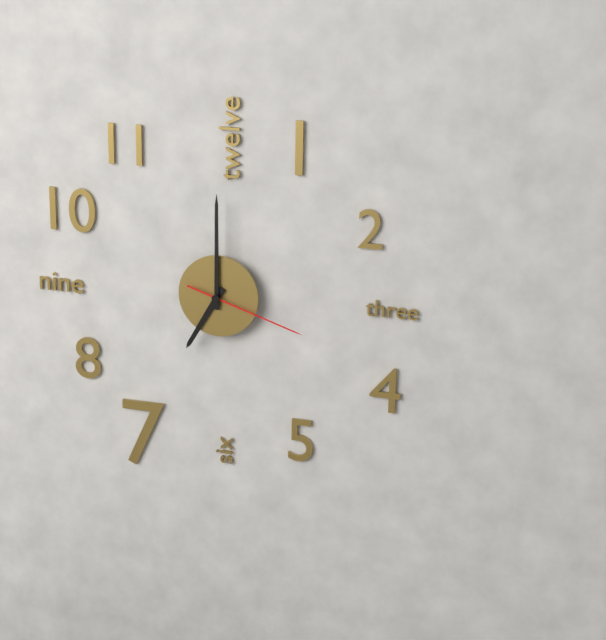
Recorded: h=7 m=0 s=18
